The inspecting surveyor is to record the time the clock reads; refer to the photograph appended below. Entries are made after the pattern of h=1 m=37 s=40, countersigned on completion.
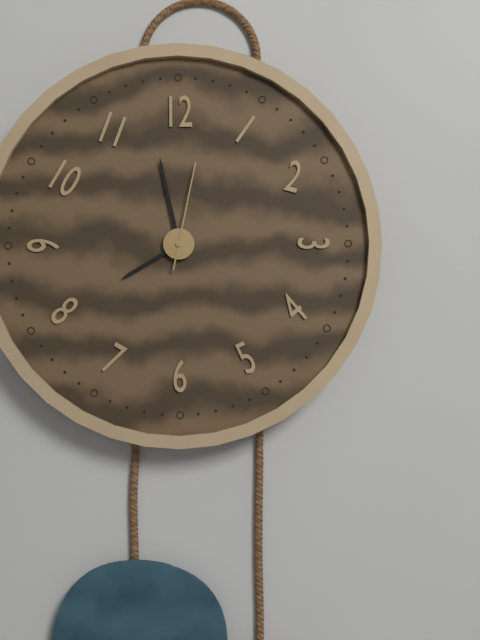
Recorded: h=7 m=58 s=2
